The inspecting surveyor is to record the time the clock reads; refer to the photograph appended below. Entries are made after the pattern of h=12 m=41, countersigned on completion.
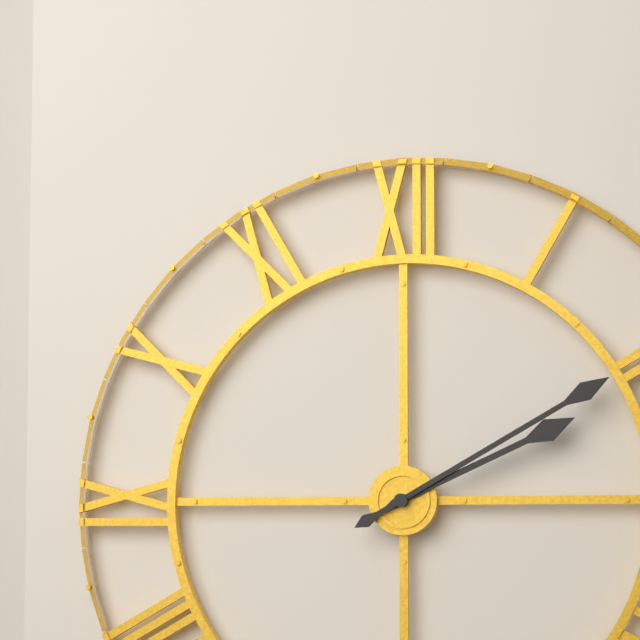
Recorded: h=2 m=10
